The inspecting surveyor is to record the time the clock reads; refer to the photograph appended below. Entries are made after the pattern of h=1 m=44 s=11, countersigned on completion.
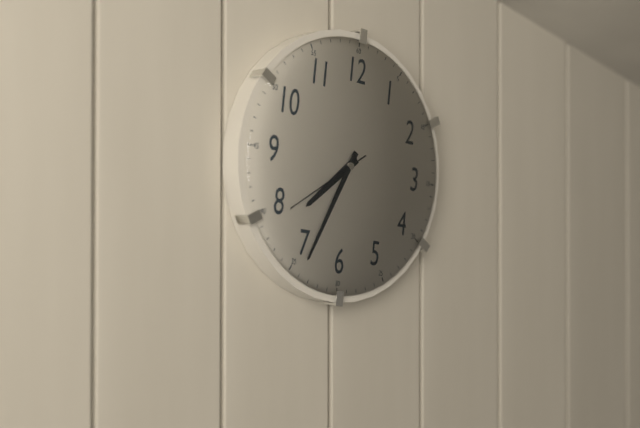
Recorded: h=7 m=34 s=39
